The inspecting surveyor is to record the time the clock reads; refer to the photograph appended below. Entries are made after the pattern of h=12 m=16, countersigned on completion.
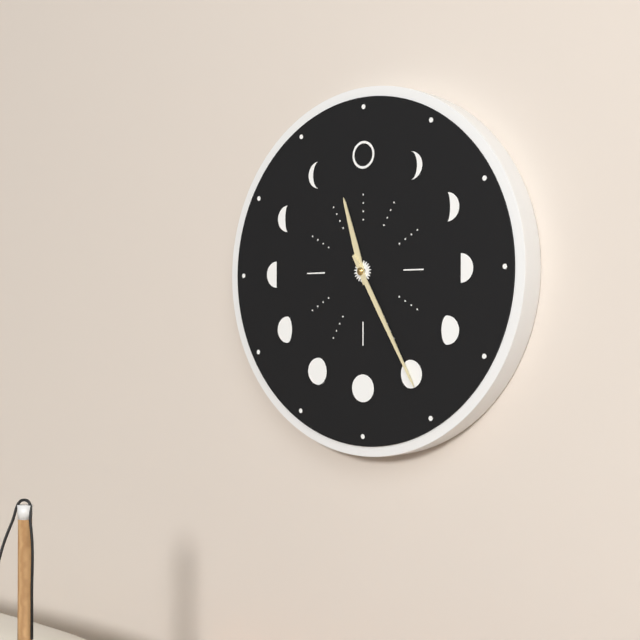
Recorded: h=11 m=25
